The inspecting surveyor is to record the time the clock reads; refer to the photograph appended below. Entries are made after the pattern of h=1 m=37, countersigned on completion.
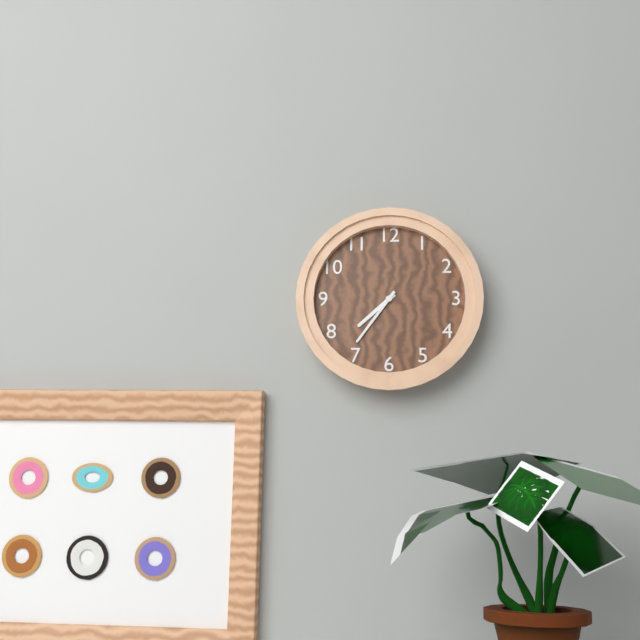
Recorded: h=7 m=36
